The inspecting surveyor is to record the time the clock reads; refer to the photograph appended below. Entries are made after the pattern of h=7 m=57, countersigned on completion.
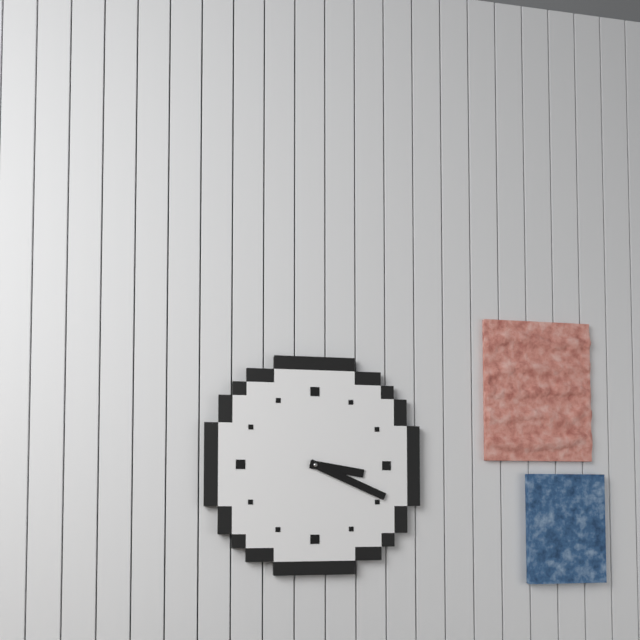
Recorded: h=3 m=19
